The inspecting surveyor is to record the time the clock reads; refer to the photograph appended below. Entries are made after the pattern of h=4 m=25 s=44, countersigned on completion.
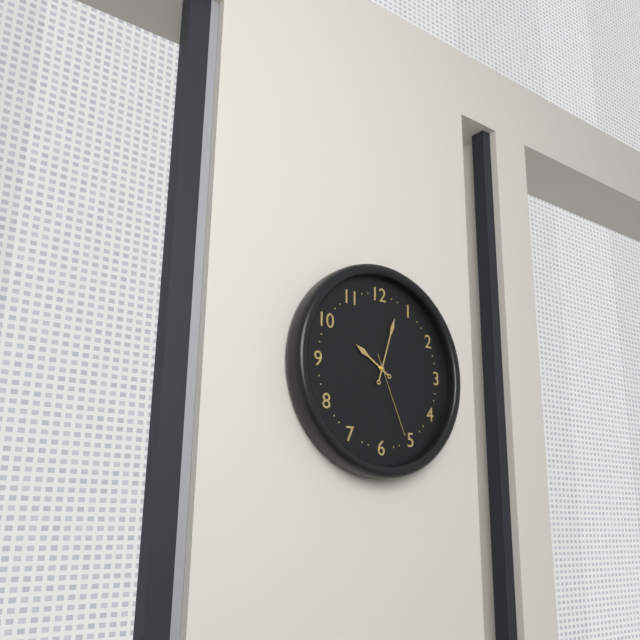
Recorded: h=10 m=3 s=26
